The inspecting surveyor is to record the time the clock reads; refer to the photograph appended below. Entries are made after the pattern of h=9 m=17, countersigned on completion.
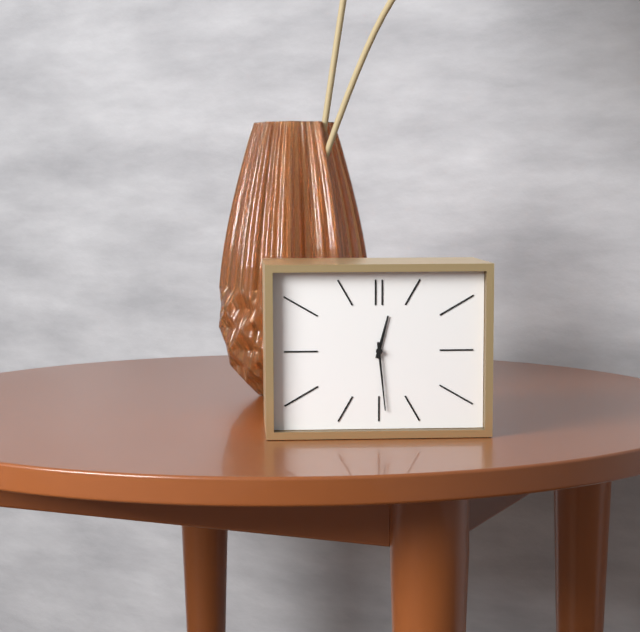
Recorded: h=12 m=29
